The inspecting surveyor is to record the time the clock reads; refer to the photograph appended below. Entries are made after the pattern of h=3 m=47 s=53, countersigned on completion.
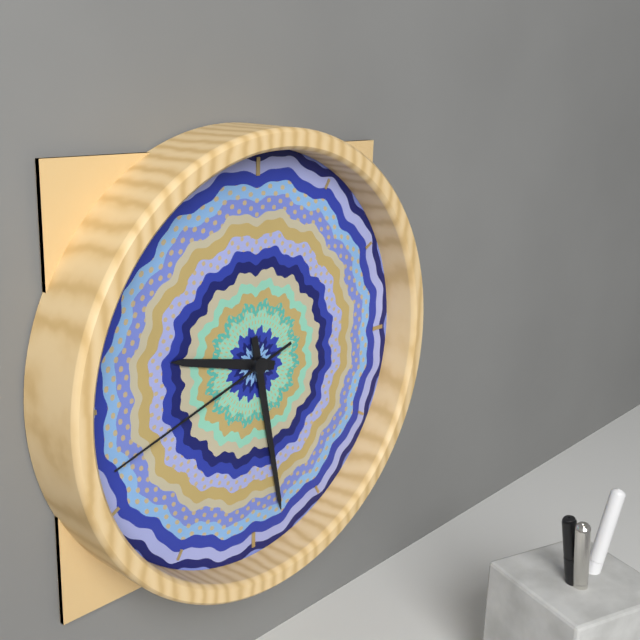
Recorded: h=9 m=28 s=42
